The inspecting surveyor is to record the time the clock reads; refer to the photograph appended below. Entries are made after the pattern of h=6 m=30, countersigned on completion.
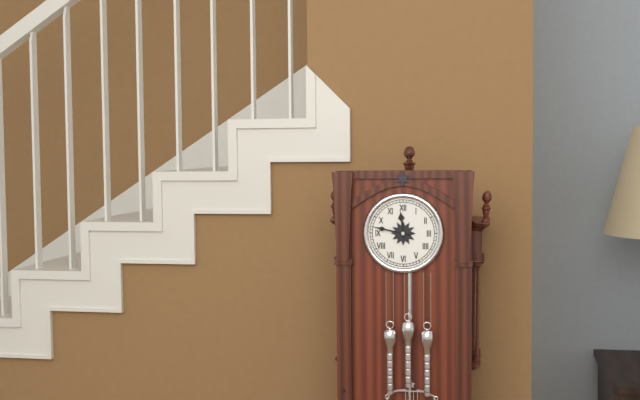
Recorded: h=11 m=47
